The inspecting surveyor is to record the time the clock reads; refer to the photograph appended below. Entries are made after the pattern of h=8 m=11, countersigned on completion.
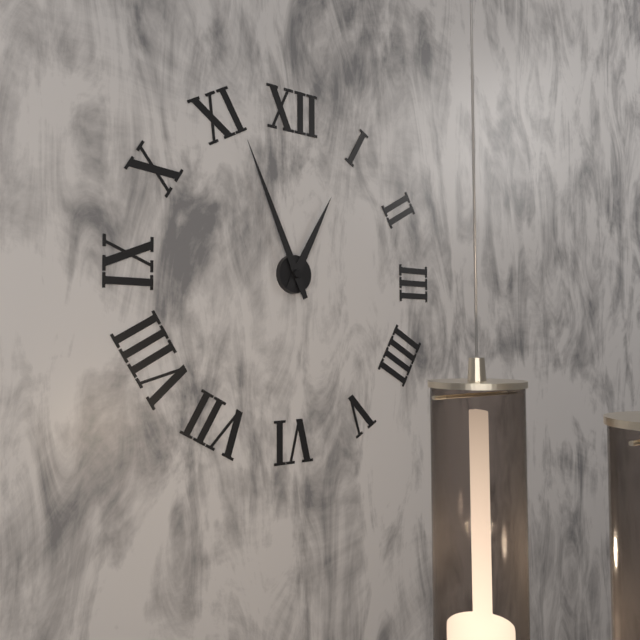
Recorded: h=12 m=56
